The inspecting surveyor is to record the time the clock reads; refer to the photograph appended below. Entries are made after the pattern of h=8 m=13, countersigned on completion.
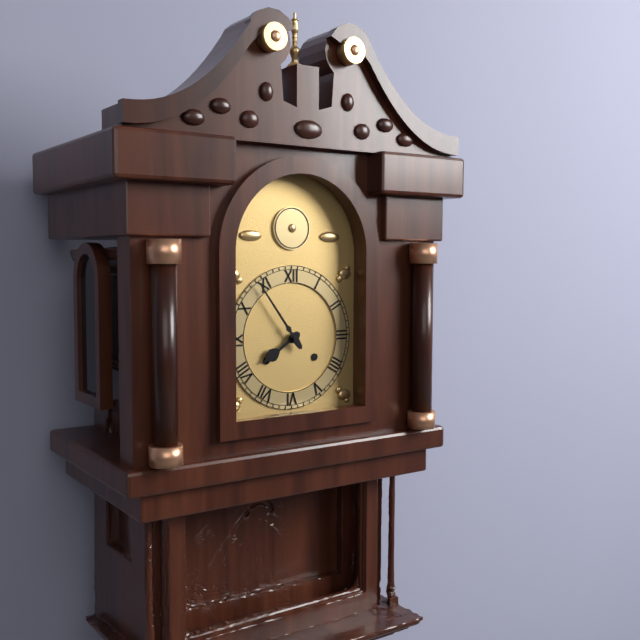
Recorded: h=7 m=54
